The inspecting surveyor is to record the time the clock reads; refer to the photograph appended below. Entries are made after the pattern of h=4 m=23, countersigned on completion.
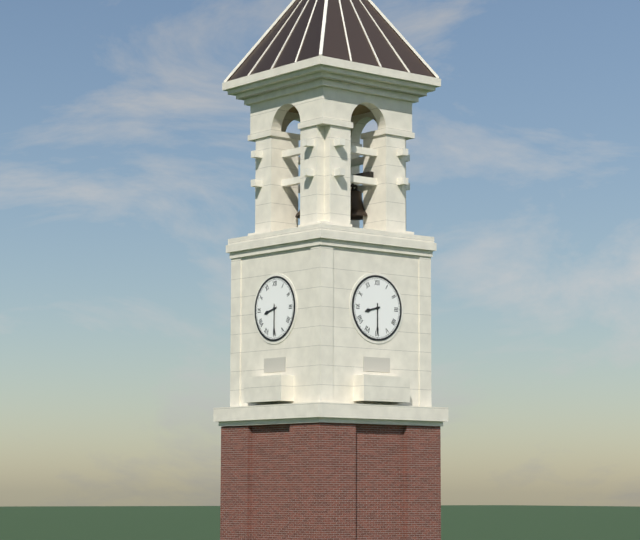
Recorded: h=8 m=30
